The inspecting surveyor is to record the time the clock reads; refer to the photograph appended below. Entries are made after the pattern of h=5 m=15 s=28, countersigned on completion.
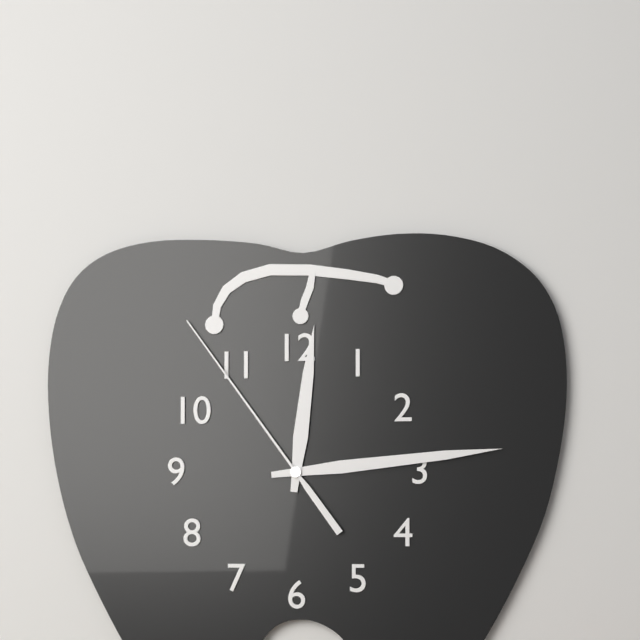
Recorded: h=12 m=14 s=54
